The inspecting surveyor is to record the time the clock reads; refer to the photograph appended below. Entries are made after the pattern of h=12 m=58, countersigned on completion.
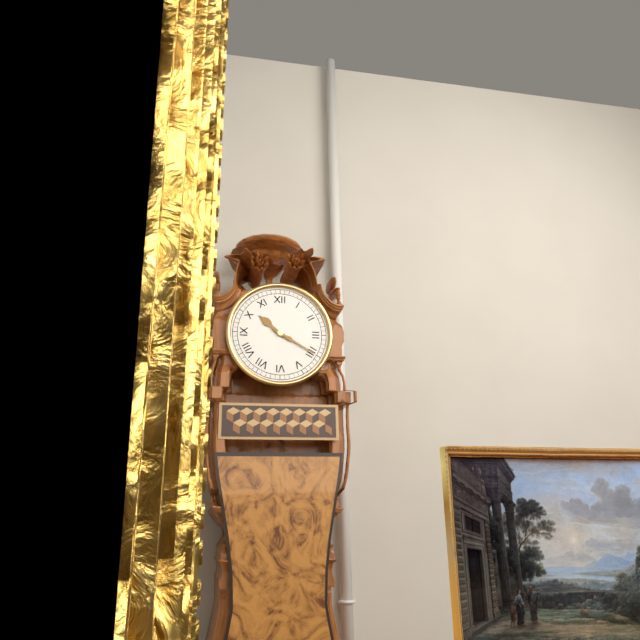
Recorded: h=10 m=20
